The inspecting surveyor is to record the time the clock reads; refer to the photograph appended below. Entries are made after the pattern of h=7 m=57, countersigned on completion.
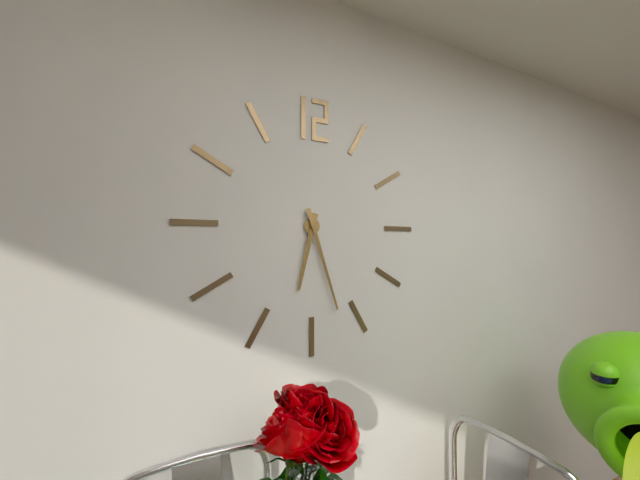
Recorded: h=6 m=27
